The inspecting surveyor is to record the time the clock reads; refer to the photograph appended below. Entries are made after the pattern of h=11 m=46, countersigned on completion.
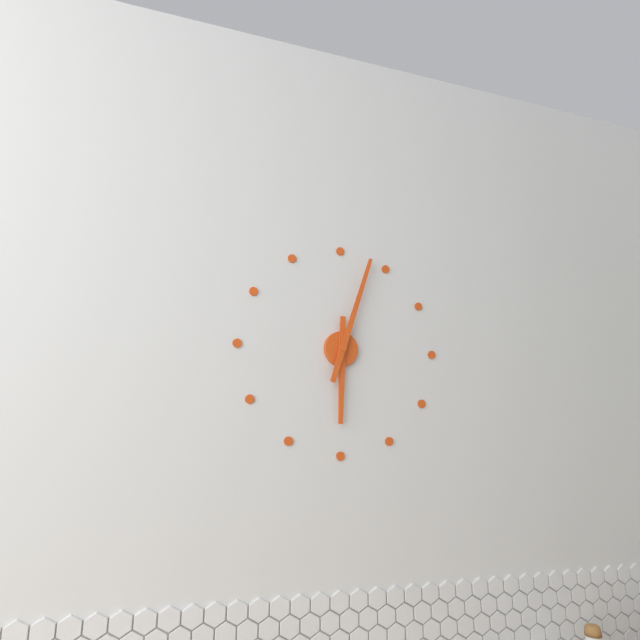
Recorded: h=6 m=3
